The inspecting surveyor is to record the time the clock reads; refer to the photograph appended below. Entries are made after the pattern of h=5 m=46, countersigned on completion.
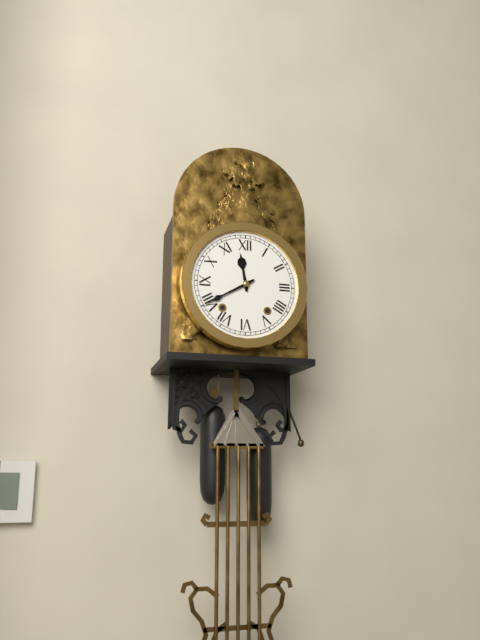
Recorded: h=11 m=40
